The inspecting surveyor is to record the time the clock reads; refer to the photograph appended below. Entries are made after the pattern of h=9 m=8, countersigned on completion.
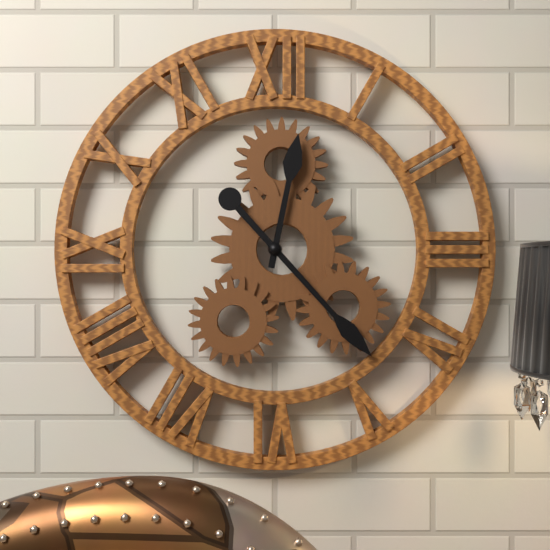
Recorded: h=12 m=23
